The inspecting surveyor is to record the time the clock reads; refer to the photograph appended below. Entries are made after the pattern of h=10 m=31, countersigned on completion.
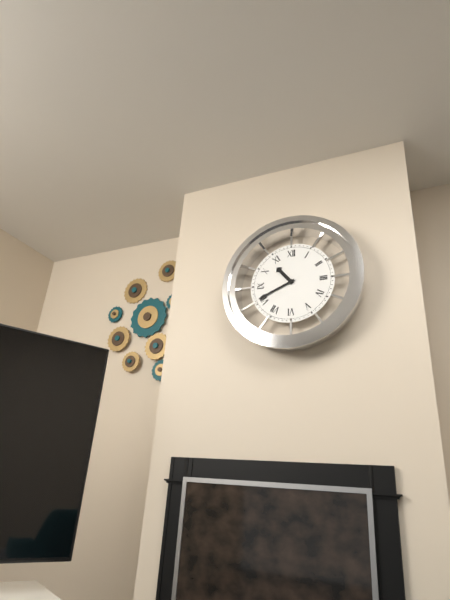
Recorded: h=10 m=41
